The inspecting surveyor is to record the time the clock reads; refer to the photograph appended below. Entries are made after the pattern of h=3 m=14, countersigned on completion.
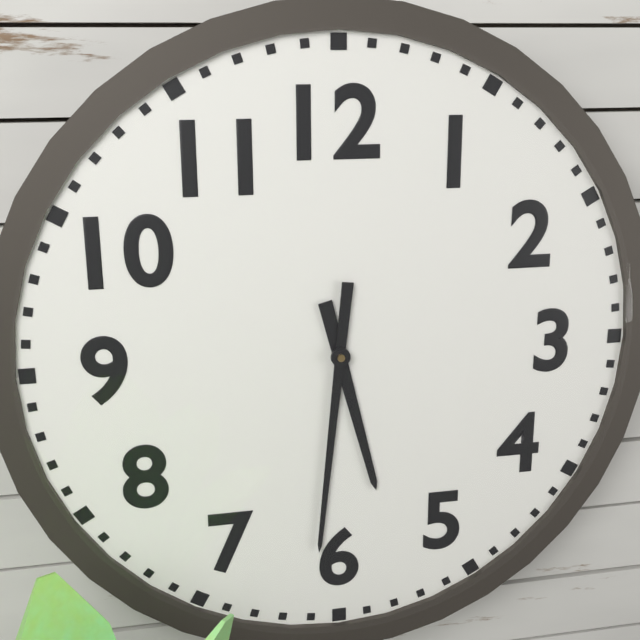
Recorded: h=5 m=31
